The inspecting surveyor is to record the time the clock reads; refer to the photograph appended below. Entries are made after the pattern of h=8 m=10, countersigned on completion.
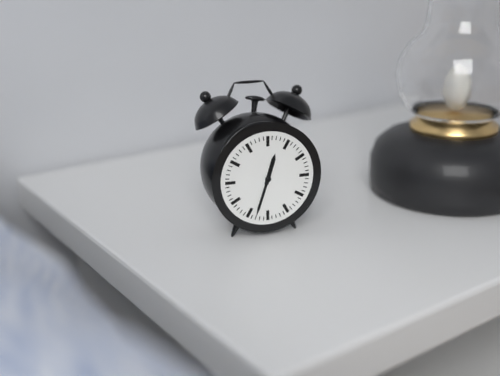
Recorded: h=12 m=33
